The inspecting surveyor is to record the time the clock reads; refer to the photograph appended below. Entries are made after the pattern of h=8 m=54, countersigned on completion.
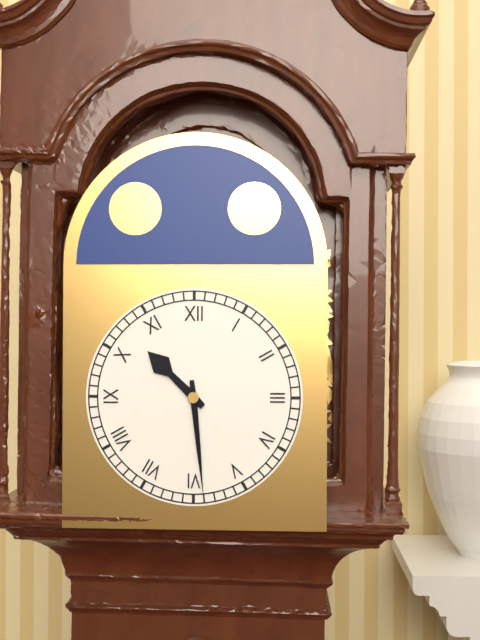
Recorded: h=10 m=29
